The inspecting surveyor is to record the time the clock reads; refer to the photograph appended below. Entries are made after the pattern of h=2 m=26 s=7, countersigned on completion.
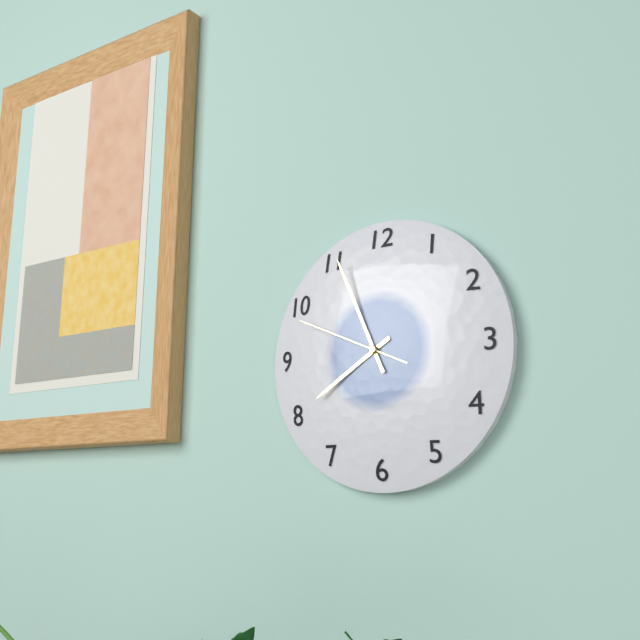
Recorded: h=7 m=56 s=49
